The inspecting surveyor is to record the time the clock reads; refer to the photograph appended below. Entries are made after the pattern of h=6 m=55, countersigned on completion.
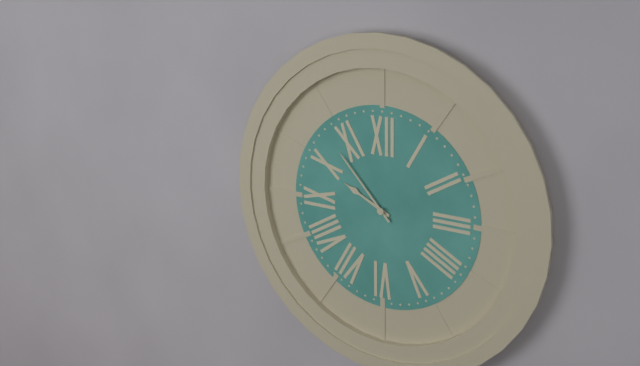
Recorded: h=9 m=53
